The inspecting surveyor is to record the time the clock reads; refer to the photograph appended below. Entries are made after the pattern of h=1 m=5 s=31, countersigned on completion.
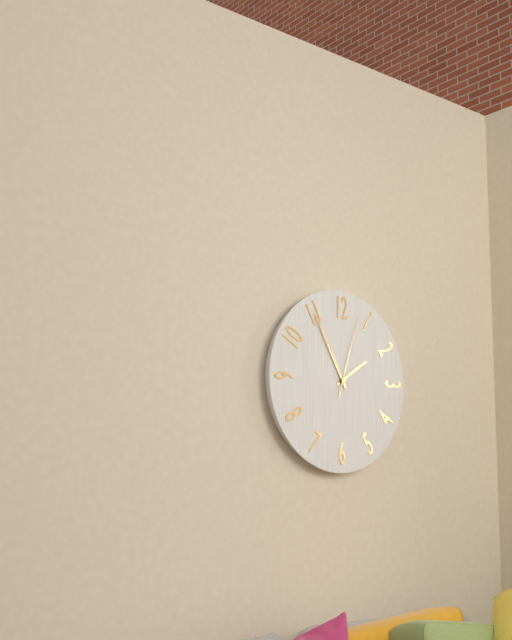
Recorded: h=1 m=55 s=3
